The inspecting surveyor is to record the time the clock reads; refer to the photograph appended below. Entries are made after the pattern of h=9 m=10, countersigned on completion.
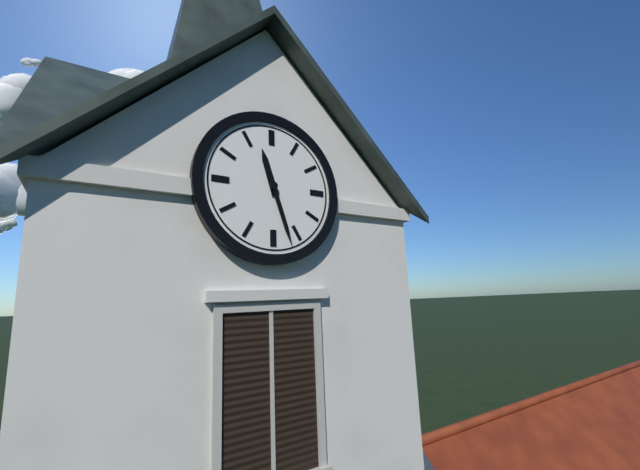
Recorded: h=11 m=27
